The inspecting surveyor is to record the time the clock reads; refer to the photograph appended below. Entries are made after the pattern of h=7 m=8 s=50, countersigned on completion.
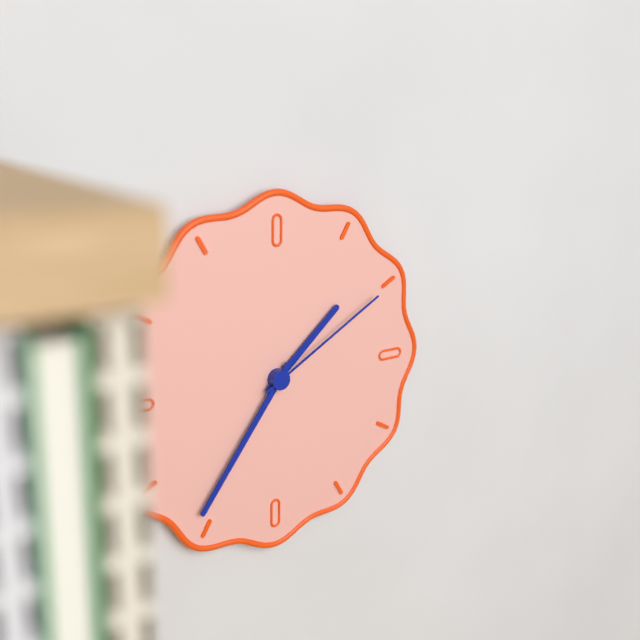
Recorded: h=1 m=36 s=10
